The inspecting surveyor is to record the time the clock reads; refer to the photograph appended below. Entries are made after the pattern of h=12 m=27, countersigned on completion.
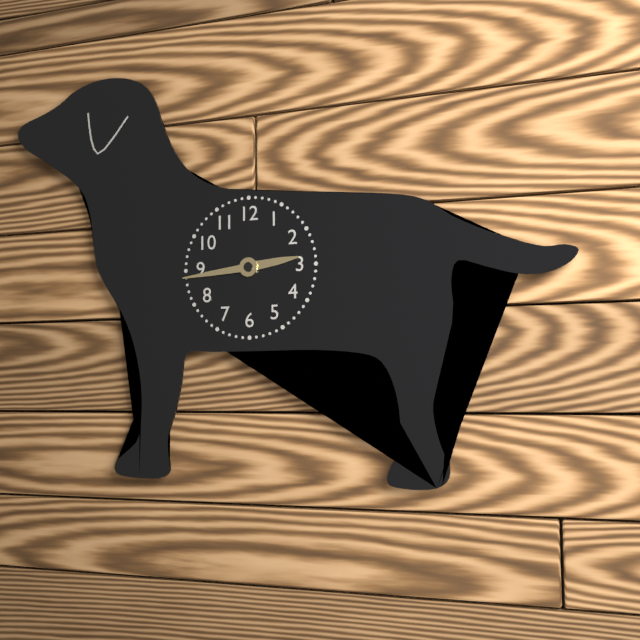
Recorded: h=2 m=44
